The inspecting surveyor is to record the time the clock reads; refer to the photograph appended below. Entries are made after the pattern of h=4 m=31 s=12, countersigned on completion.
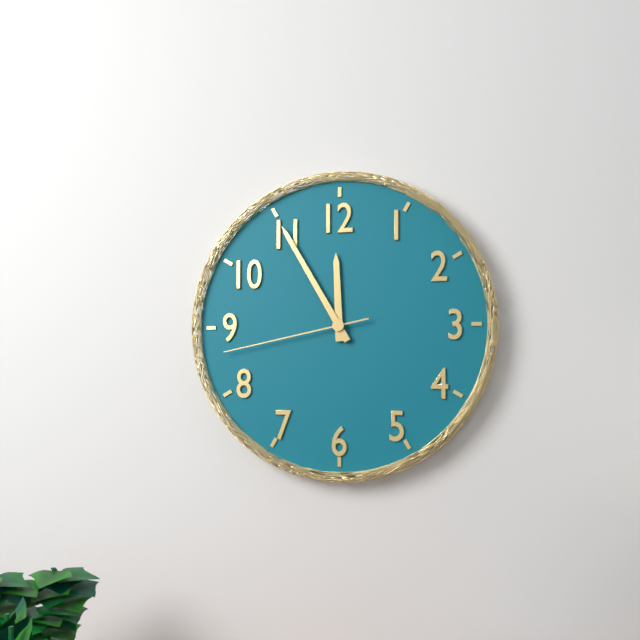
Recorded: h=11 m=55 s=43
